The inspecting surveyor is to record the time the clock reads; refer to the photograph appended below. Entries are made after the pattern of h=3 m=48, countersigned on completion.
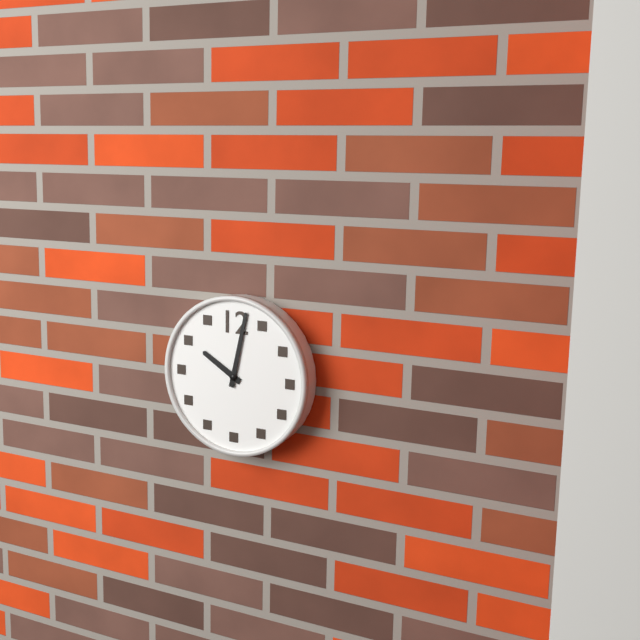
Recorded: h=10 m=2
